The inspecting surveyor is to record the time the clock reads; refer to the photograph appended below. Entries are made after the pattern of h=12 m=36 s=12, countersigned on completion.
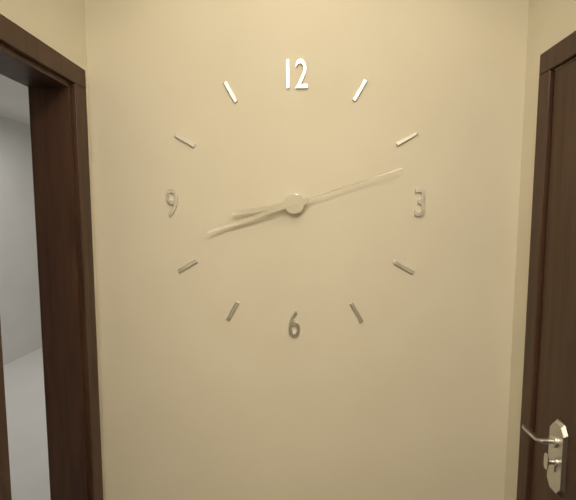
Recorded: h=8 m=42 s=12
